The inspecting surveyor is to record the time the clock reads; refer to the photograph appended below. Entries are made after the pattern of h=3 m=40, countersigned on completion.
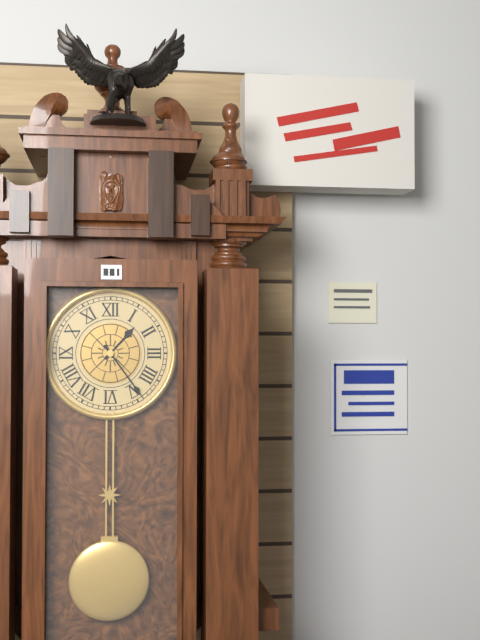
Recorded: h=1 m=24
